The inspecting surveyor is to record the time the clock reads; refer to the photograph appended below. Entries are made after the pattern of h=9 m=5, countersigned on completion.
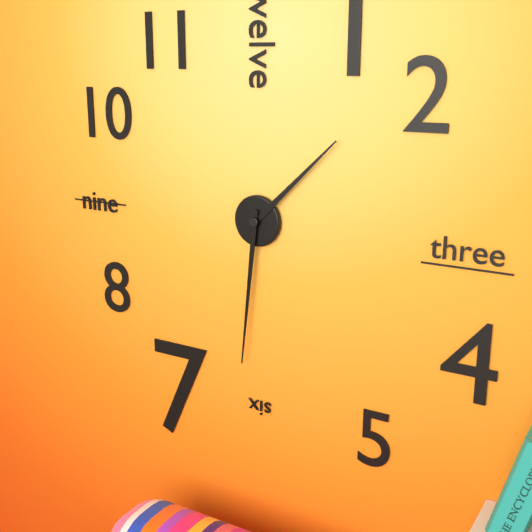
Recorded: h=1 m=31
